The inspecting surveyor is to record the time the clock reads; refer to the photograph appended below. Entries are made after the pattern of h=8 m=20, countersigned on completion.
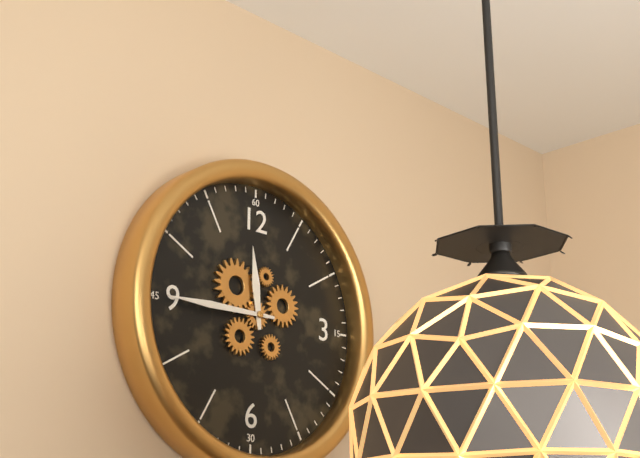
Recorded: h=11 m=45
